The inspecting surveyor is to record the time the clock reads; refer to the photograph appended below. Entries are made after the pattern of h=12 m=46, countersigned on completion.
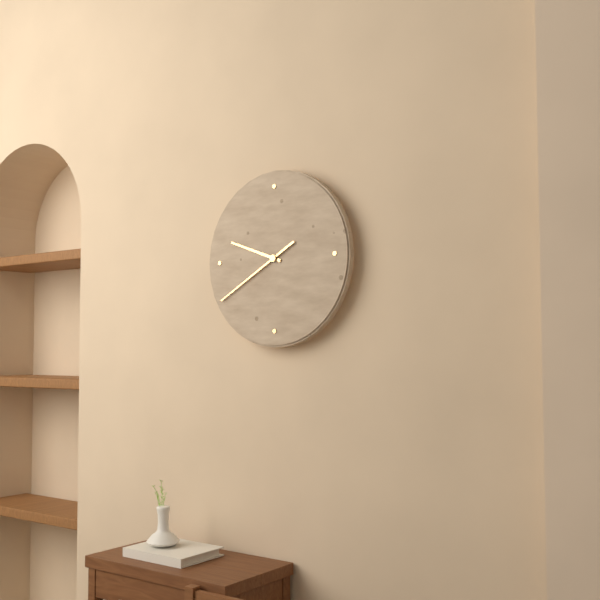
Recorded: h=9 m=40
